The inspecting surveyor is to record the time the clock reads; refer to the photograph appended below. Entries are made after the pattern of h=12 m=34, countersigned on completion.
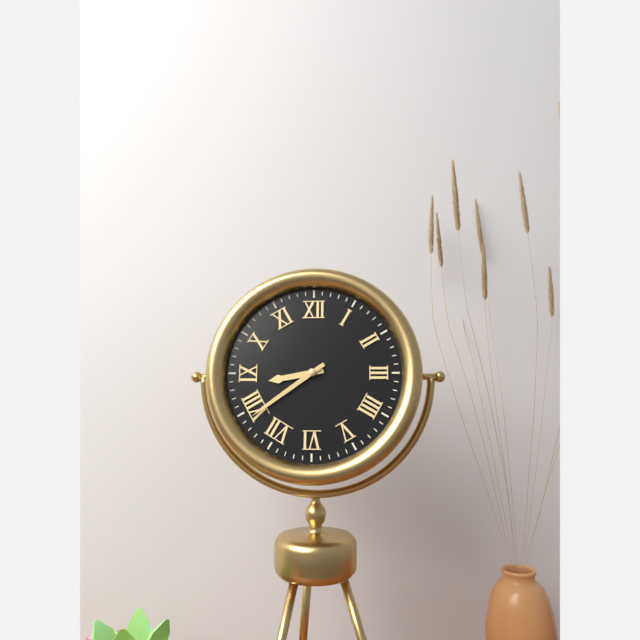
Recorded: h=8 m=39
